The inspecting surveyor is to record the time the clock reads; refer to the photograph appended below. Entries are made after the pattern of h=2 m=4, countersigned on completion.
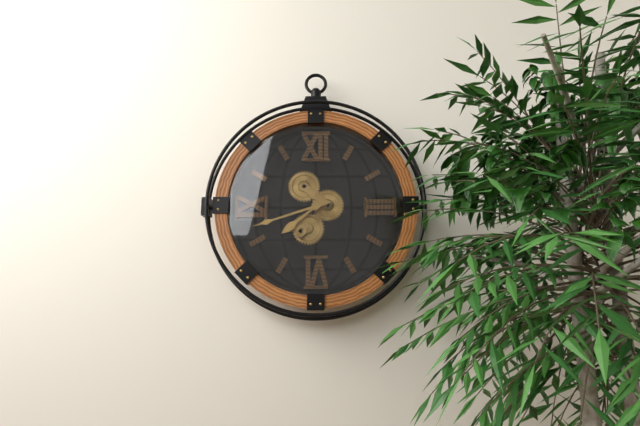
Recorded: h=7 m=42
